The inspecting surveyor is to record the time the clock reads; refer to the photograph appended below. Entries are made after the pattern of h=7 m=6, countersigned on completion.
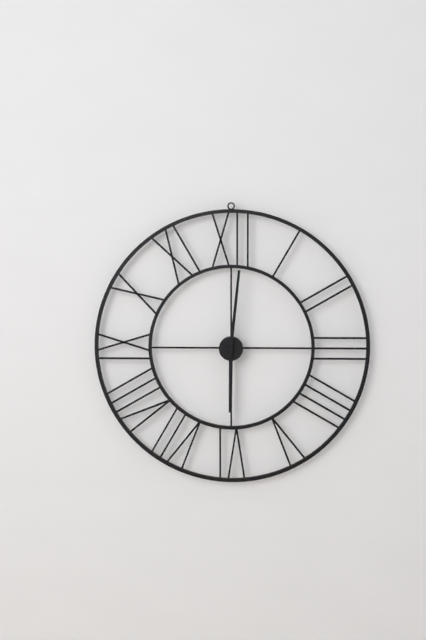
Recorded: h=6 m=1
